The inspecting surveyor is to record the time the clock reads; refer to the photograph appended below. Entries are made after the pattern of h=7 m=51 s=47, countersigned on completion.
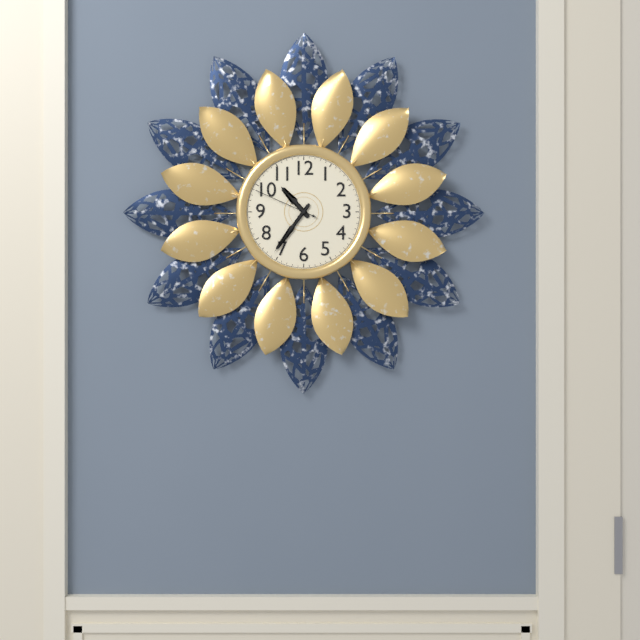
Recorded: h=10 m=36 s=49
